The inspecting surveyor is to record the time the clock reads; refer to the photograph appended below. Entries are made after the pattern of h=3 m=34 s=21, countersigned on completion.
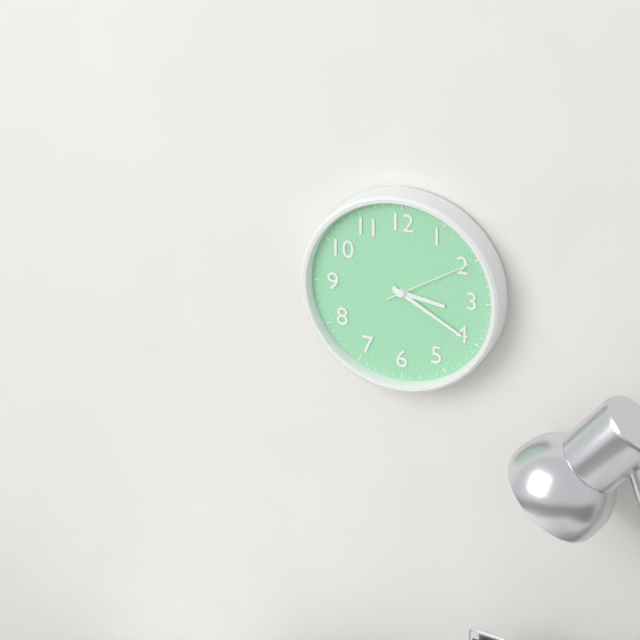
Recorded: h=3 m=20 s=10
